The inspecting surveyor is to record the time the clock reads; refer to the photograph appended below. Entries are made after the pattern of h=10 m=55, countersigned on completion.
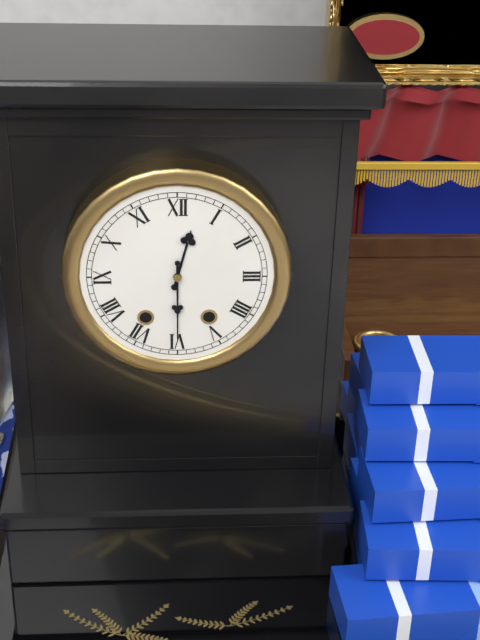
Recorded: h=12 m=30
